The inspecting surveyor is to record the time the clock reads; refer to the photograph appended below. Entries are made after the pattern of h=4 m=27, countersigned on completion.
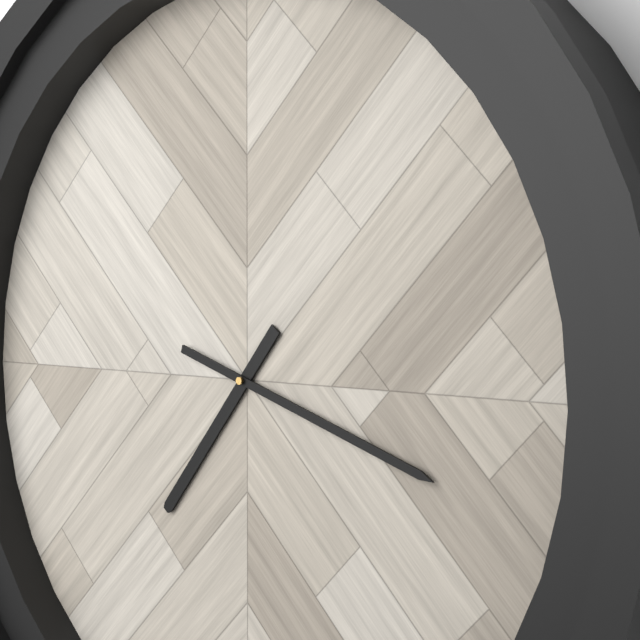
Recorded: h=7 m=18
